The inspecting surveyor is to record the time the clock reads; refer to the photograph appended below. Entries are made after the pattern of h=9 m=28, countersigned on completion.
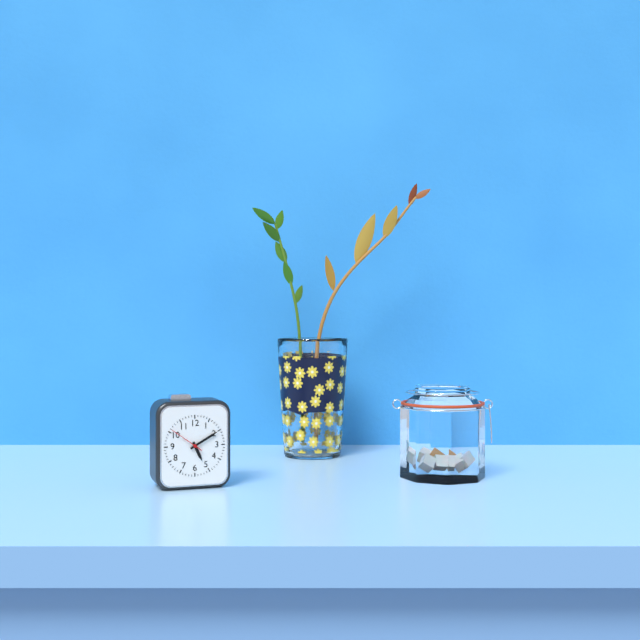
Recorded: h=5 m=10
